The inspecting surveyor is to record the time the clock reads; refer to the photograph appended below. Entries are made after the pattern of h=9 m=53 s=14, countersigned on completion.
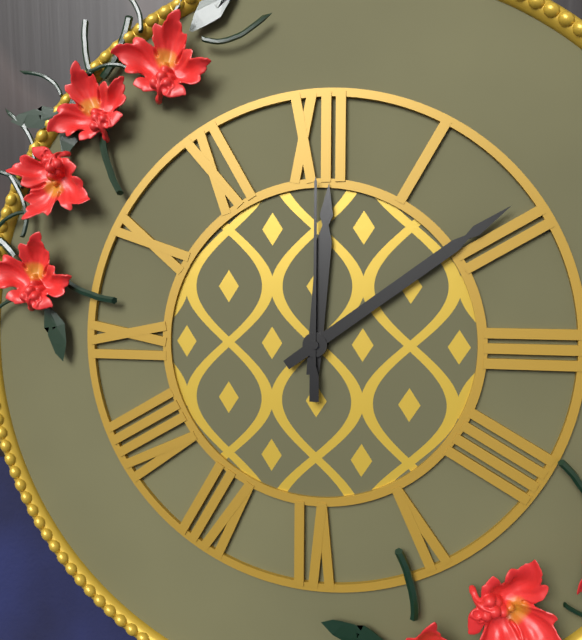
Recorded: h=12 m=9 s=0
